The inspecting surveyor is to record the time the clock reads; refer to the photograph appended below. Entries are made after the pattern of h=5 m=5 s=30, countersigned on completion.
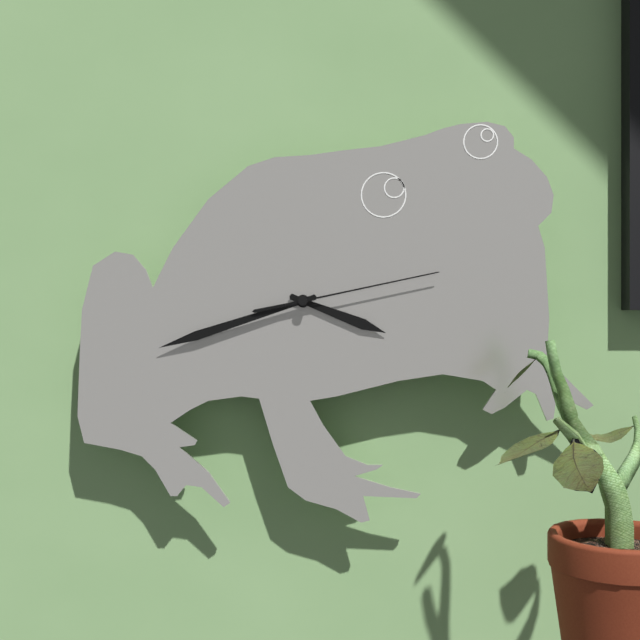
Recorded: h=3 m=42 s=13
